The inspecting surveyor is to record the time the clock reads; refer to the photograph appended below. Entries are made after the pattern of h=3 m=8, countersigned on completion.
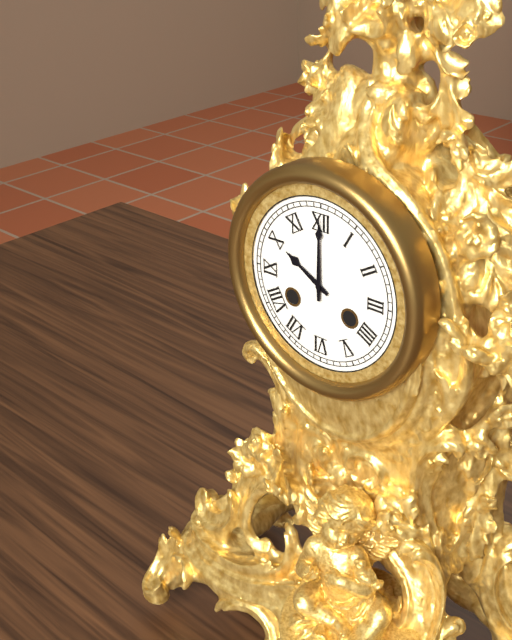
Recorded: h=10 m=0
